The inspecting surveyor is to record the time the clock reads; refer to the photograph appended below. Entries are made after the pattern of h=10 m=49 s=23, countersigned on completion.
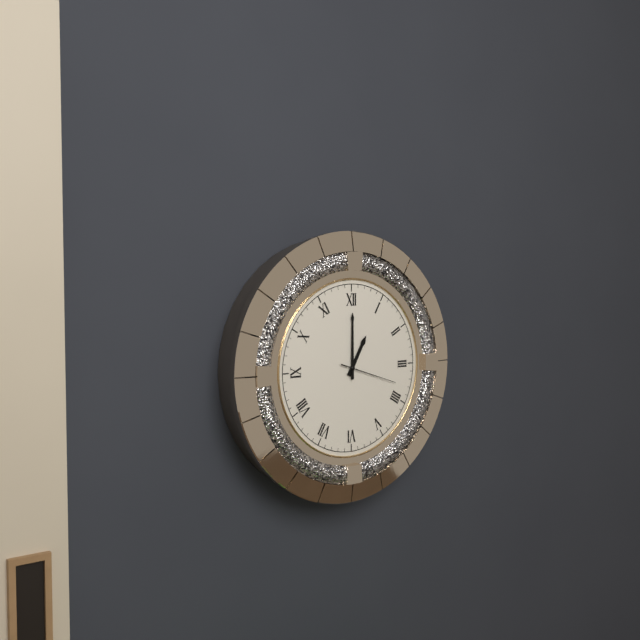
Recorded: h=1 m=0 s=18
